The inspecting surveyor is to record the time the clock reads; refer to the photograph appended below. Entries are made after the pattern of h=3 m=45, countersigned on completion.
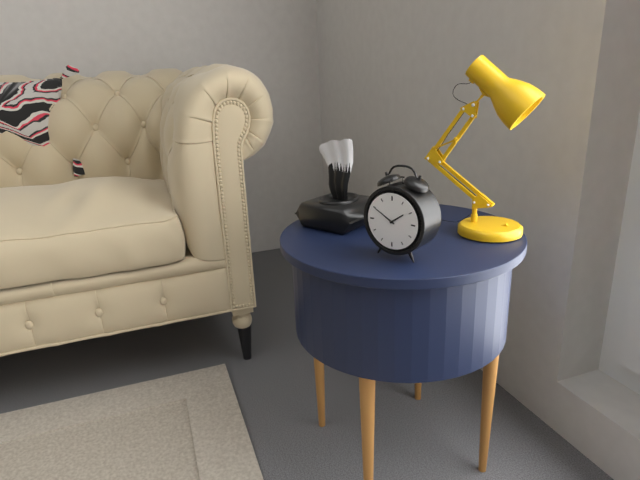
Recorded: h=1 m=50
